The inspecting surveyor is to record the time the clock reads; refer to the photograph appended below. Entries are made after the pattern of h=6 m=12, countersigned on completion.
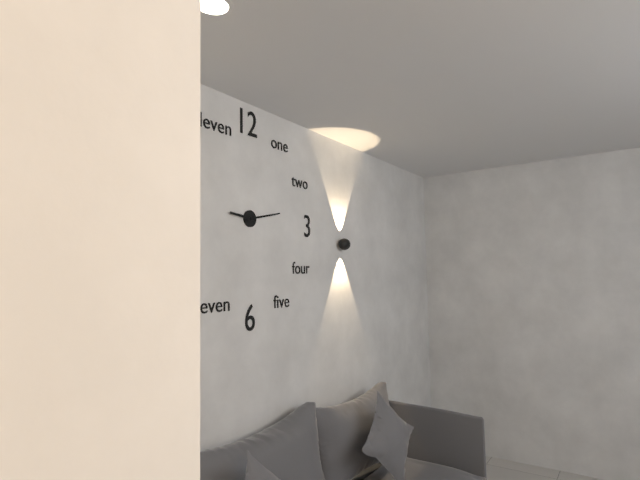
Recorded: h=9 m=13
